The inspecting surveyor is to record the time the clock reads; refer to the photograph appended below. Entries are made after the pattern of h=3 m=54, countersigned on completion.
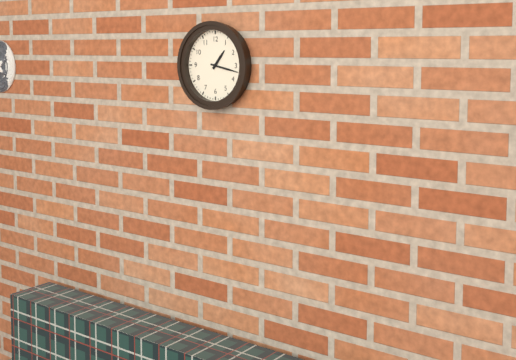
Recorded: h=1 m=17
